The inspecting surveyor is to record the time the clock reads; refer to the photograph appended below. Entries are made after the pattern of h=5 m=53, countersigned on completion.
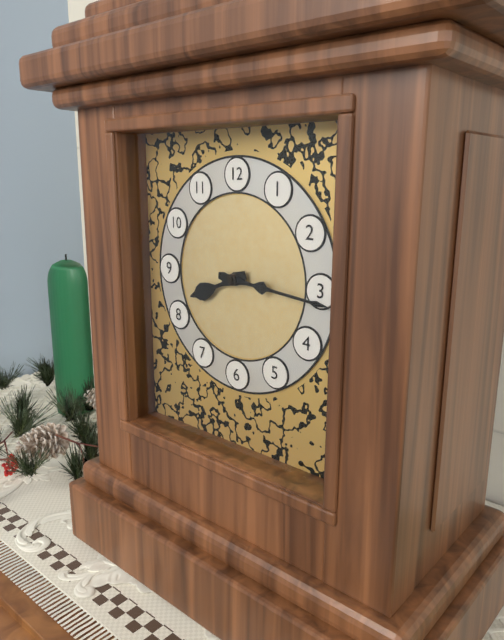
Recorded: h=8 m=16
